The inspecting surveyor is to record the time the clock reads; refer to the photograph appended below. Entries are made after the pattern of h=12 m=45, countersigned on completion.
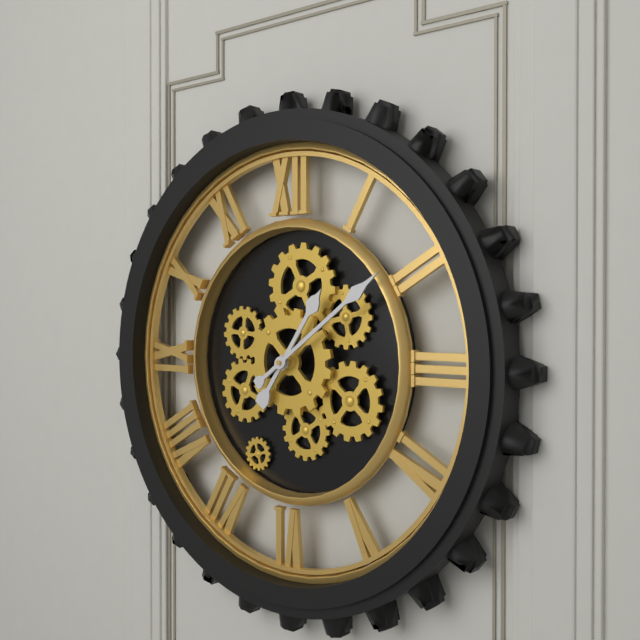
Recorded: h=1 m=9
